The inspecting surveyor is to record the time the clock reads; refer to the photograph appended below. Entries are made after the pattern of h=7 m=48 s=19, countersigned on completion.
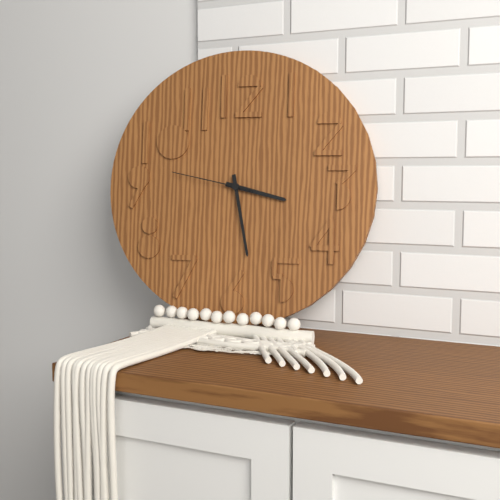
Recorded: h=3 m=28 s=47
